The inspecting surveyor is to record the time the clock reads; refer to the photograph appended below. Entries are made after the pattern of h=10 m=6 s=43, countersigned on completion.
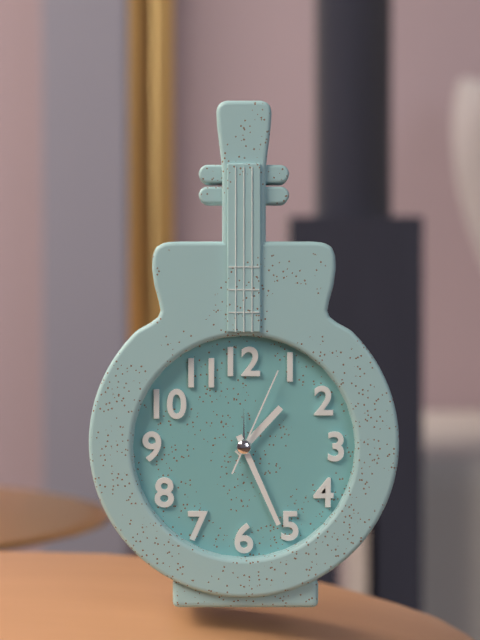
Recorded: h=1 m=26 s=4
